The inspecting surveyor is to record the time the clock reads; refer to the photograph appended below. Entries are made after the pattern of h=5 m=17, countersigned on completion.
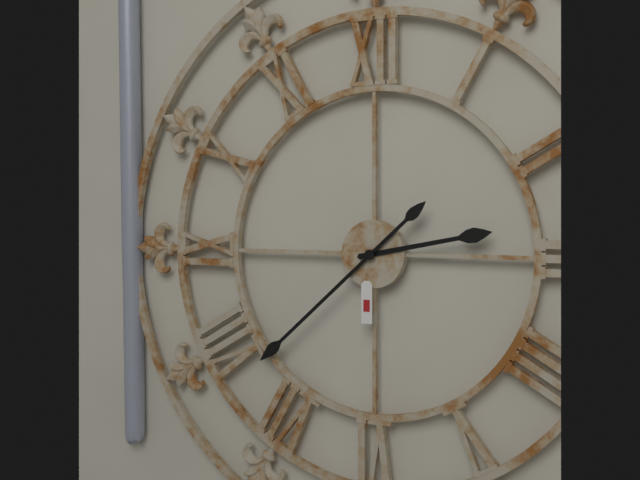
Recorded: h=2 m=38
